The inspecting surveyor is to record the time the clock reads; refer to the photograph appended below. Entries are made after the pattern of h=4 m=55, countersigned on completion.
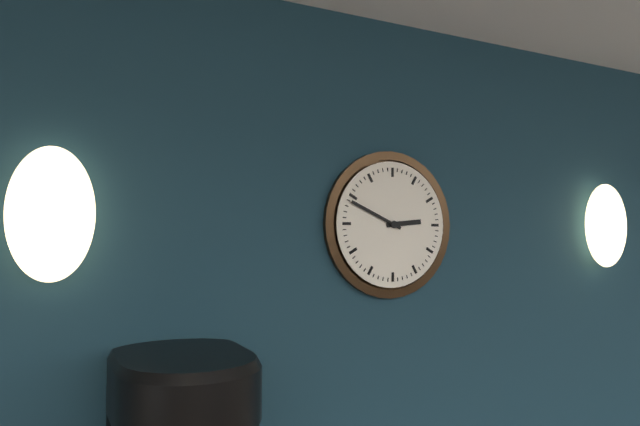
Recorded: h=2 m=49
